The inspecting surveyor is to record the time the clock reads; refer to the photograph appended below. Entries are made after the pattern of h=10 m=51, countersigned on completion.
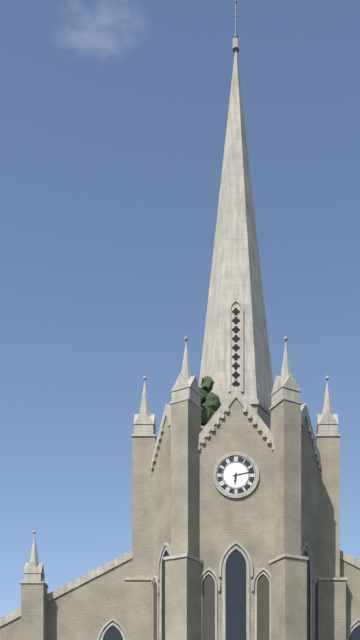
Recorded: h=6 m=13
